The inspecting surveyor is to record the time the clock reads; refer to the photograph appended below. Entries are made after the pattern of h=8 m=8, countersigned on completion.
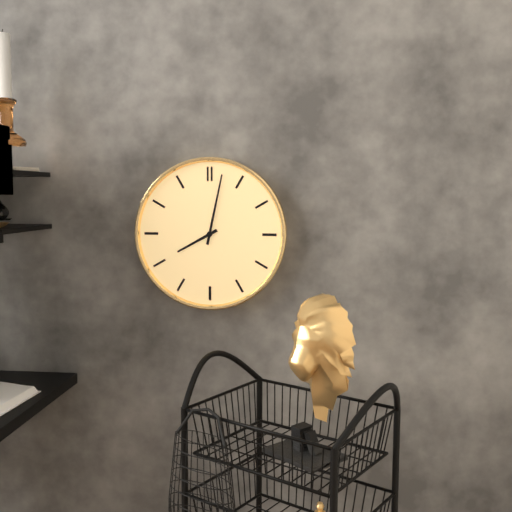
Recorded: h=8 m=2
